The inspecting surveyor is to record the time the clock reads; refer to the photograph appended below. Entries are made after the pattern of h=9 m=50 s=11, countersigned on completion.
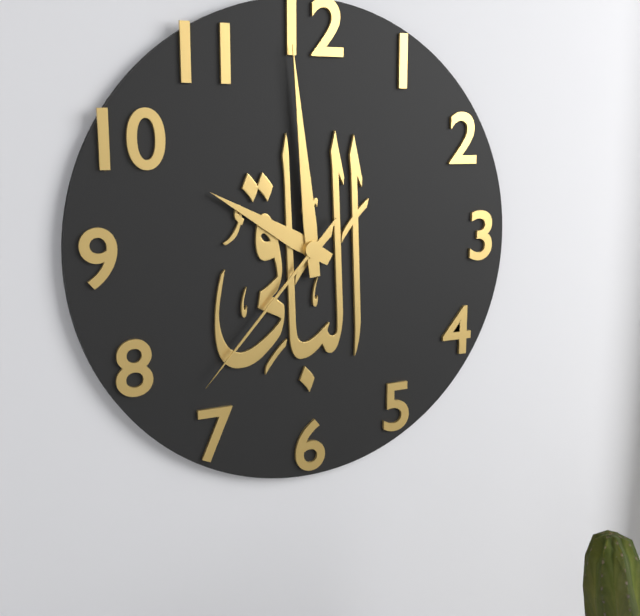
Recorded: h=9 m=59 s=37
